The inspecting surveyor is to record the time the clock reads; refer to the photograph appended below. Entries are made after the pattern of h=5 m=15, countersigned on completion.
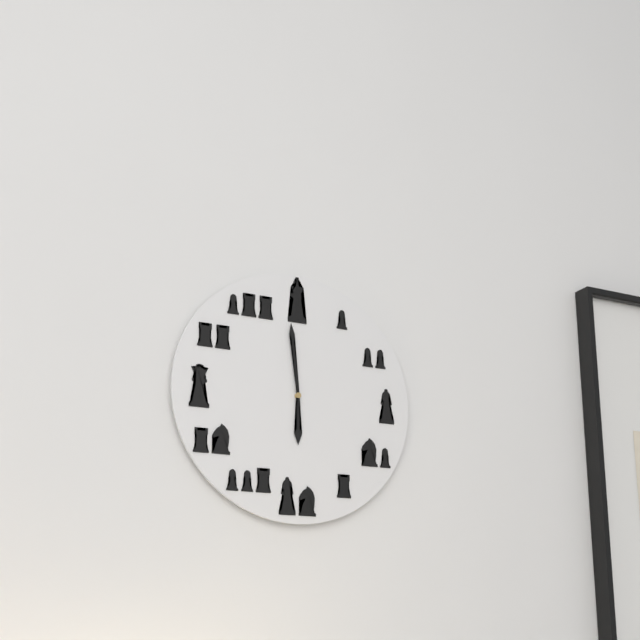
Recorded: h=5 m=59
